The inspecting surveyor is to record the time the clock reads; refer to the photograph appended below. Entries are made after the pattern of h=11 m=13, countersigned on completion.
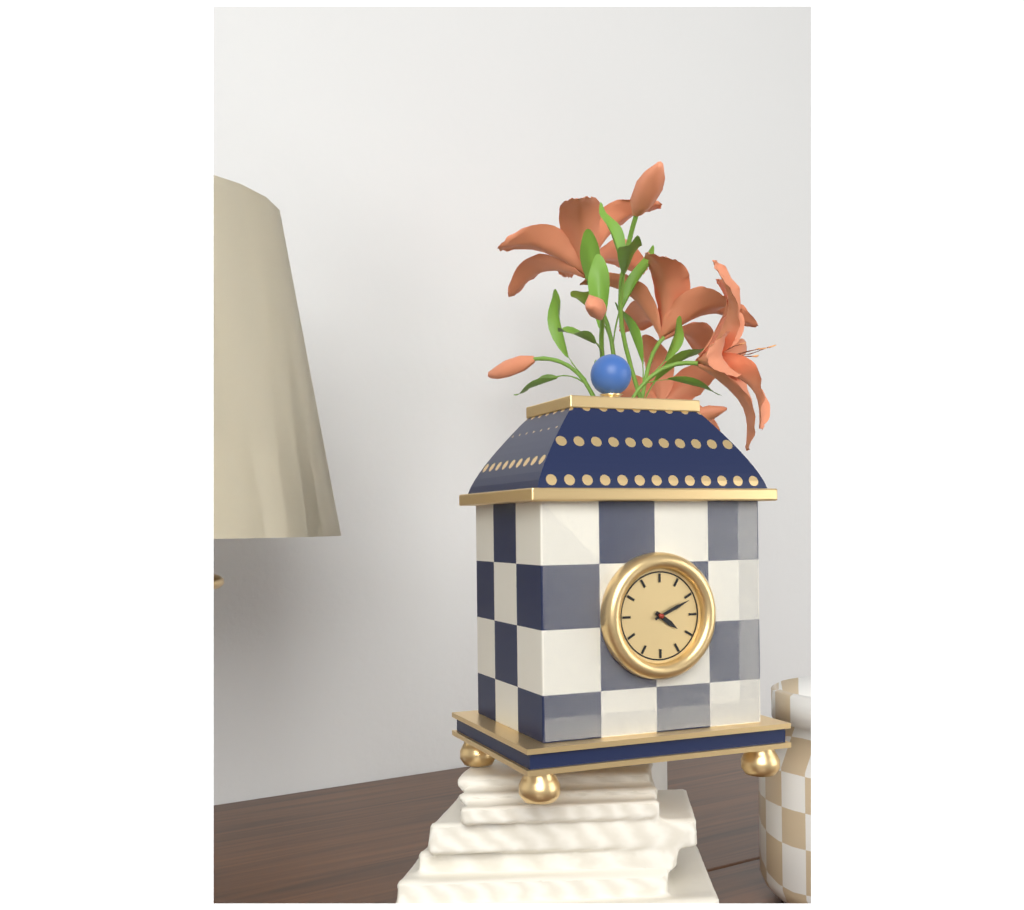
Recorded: h=4 m=11
